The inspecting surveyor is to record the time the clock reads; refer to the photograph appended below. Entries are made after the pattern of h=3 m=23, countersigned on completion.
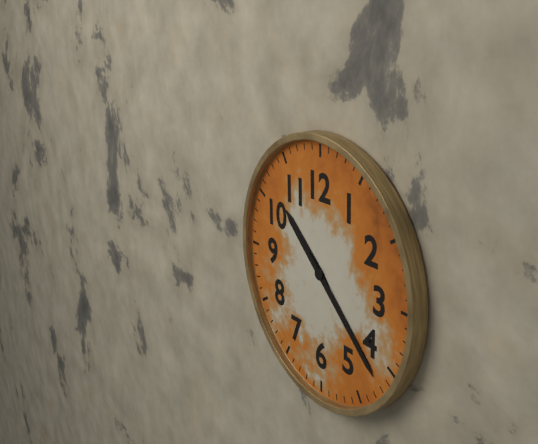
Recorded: h=10 m=22
